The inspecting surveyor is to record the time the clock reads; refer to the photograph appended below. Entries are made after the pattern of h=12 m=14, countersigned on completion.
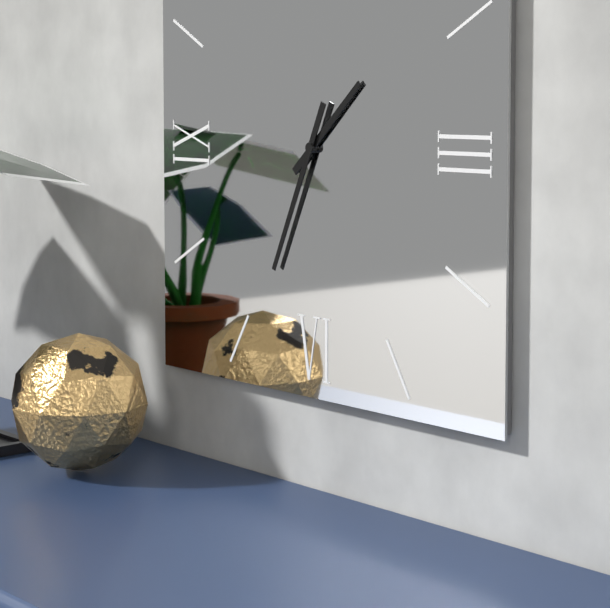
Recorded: h=1 m=34
